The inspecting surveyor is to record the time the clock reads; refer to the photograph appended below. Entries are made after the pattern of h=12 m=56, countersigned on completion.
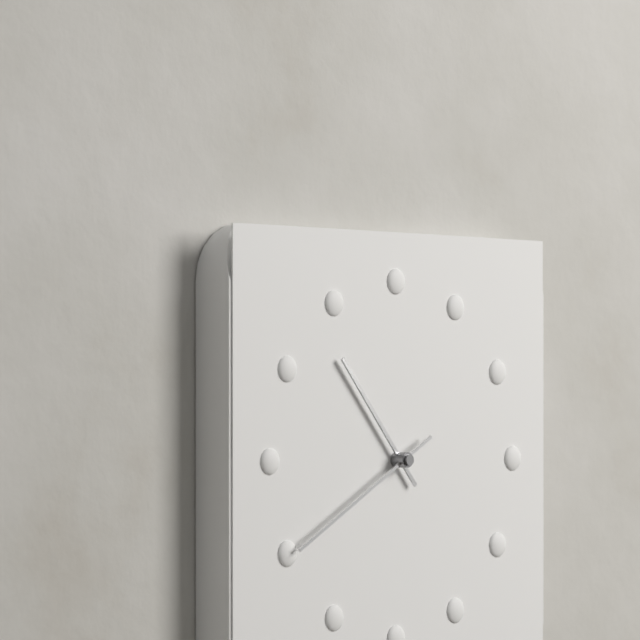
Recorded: h=10 m=40
